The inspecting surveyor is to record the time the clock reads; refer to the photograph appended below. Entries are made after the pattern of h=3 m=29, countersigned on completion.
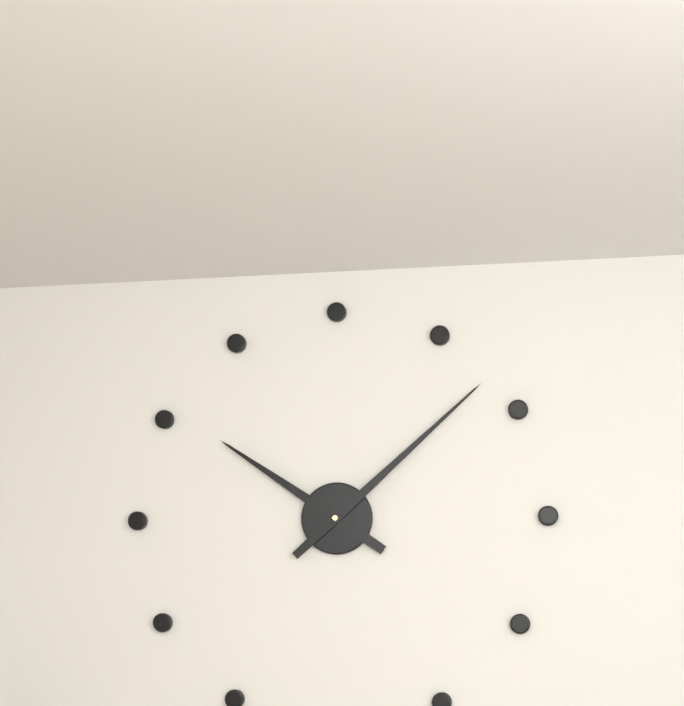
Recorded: h=10 m=8
